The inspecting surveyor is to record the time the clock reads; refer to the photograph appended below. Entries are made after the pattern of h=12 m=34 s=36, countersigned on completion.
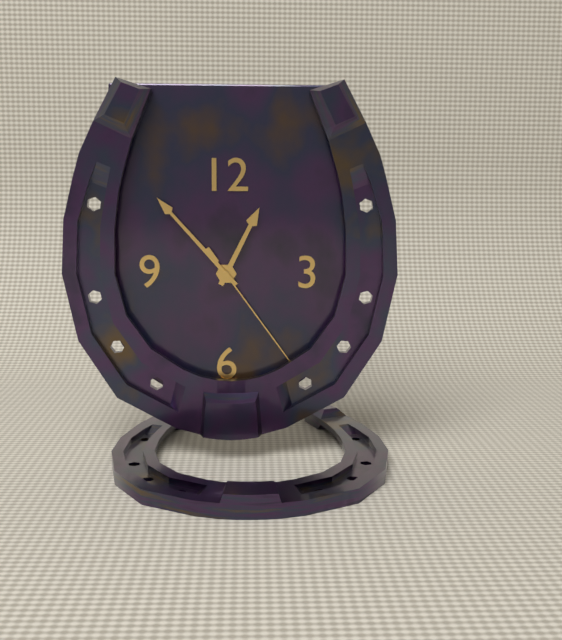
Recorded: h=12 m=53 s=24
